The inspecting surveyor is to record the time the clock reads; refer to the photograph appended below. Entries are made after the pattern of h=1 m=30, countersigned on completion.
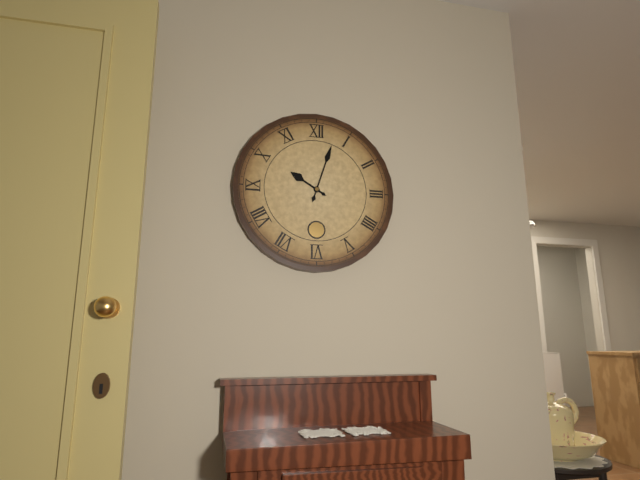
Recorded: h=10 m=3
